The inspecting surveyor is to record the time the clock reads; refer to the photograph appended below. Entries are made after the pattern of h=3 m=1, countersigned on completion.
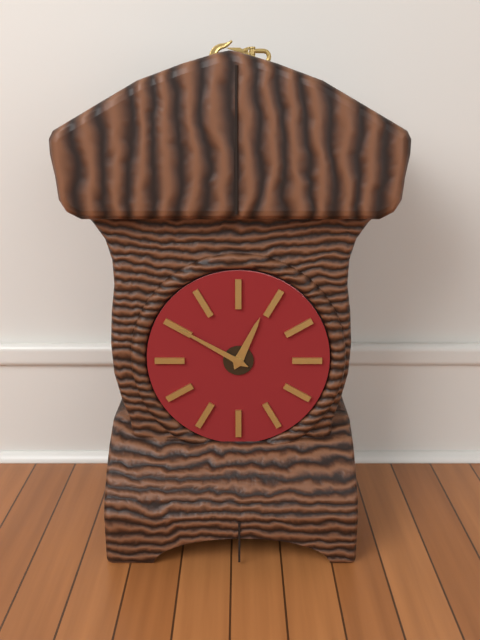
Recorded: h=12 m=50
